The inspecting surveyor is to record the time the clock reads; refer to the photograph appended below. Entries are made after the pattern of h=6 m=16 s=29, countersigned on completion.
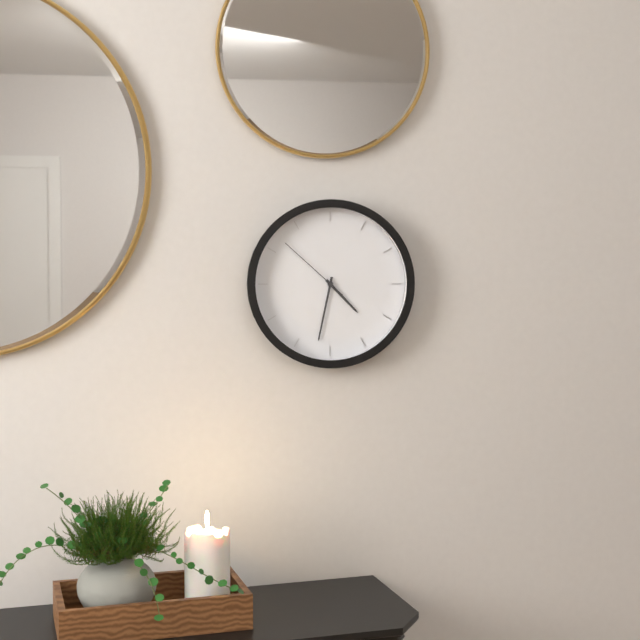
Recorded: h=4 m=32 s=52
